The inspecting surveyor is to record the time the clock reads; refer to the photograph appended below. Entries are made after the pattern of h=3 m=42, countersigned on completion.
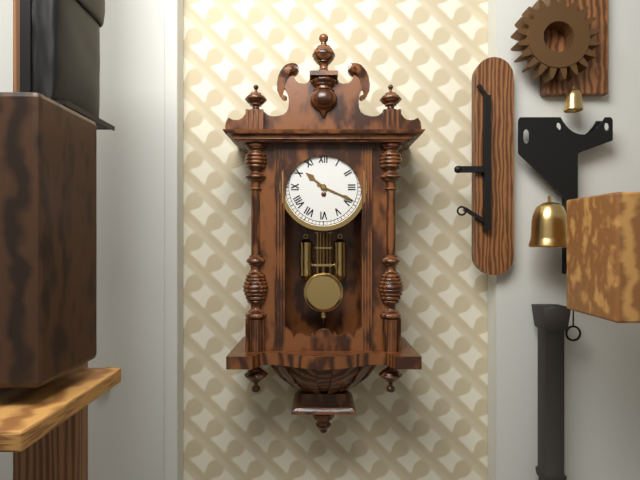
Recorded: h=10 m=19
